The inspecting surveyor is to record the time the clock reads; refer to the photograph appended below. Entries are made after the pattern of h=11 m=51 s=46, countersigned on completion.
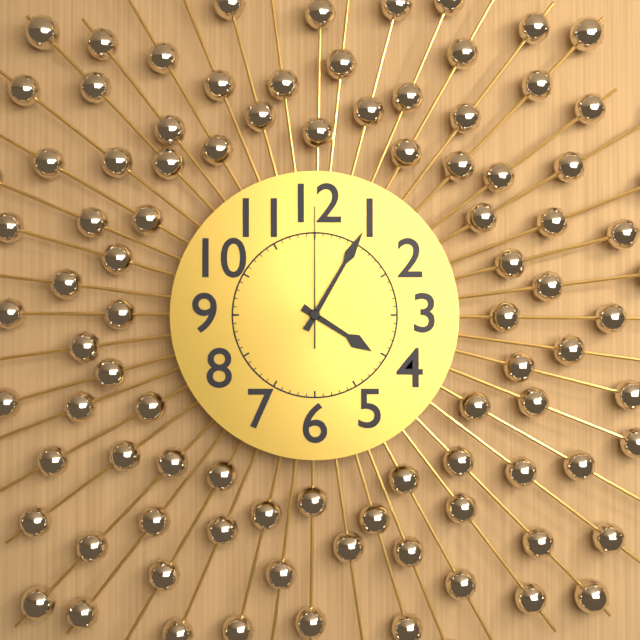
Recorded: h=4 m=5 s=0
